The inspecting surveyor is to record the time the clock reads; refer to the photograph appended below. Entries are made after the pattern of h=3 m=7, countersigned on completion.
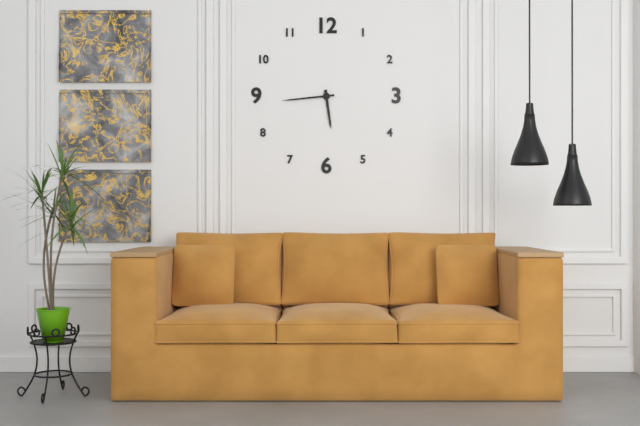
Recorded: h=5 m=44
